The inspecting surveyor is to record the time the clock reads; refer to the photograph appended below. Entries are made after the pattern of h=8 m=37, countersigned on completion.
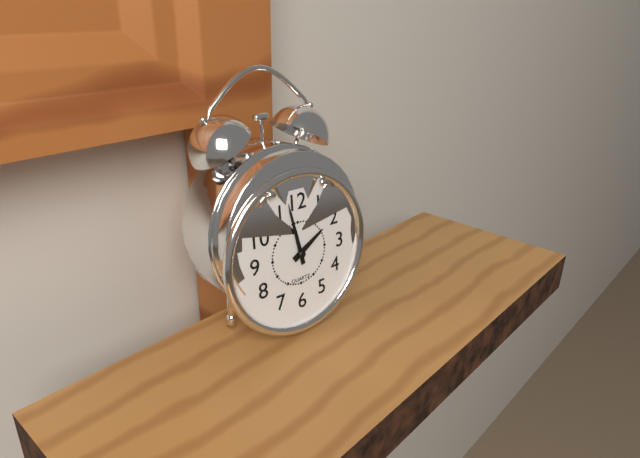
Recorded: h=1 m=58
